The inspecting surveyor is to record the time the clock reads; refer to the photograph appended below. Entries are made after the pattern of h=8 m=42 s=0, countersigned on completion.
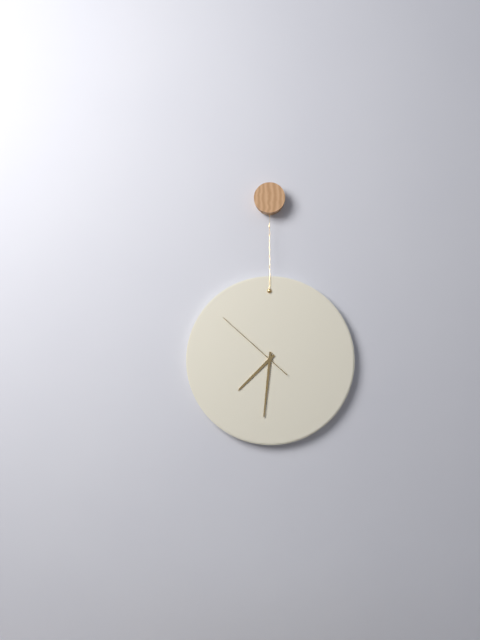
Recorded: h=7 m=31 s=52
